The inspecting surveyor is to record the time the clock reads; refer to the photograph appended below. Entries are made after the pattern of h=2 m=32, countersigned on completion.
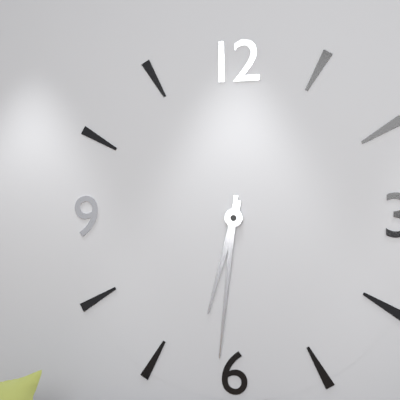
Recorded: h=6 m=31
